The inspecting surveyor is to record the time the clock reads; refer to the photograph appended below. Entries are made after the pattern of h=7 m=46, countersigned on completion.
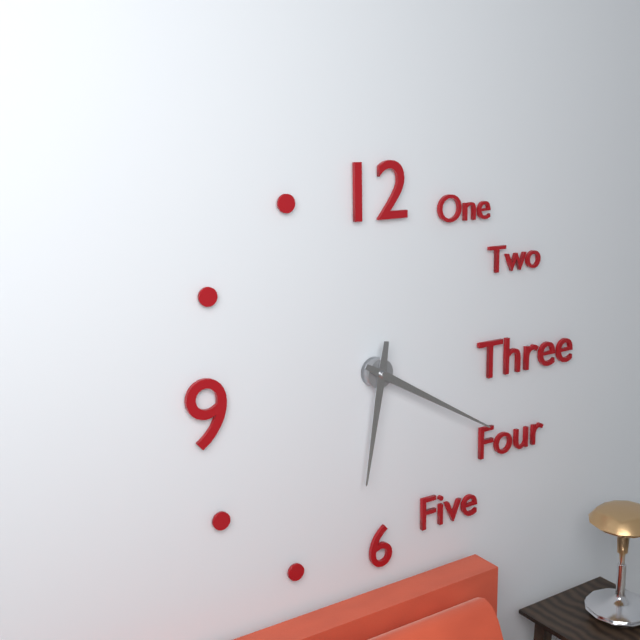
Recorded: h=6 m=20
